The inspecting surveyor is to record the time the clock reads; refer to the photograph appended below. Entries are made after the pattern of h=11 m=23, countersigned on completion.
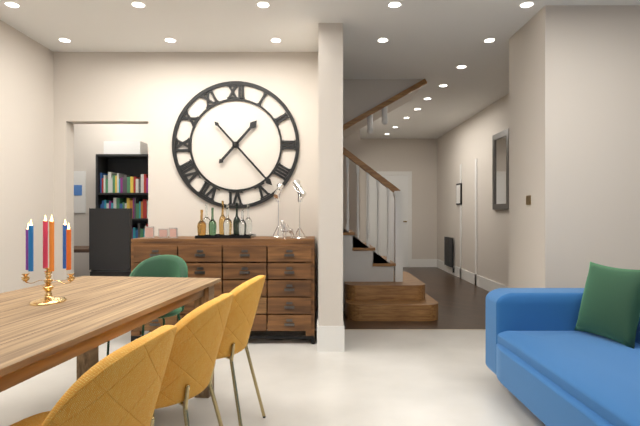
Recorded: h=1 m=23
